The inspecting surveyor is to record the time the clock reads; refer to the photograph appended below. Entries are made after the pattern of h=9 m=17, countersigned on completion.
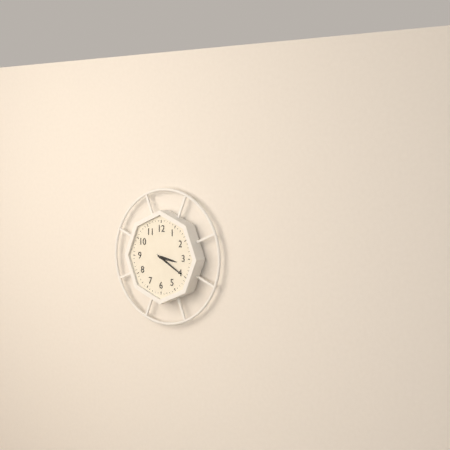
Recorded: h=3 m=20
